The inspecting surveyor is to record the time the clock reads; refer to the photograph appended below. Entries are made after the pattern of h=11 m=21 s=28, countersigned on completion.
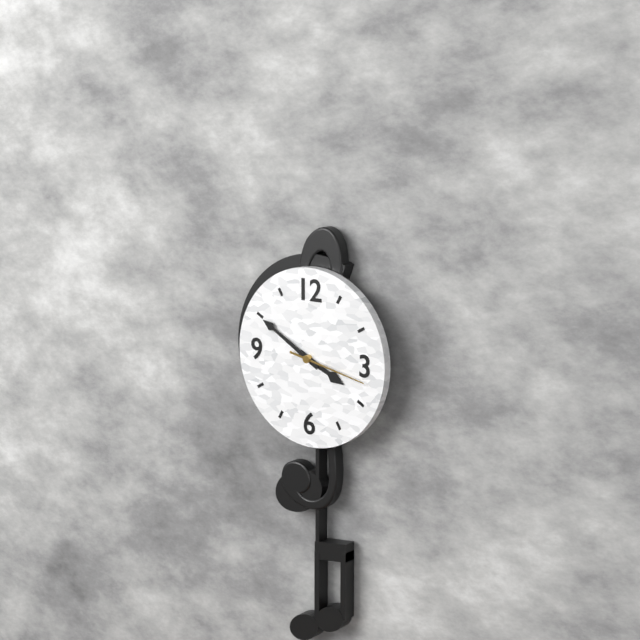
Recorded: h=3 m=50 s=17
